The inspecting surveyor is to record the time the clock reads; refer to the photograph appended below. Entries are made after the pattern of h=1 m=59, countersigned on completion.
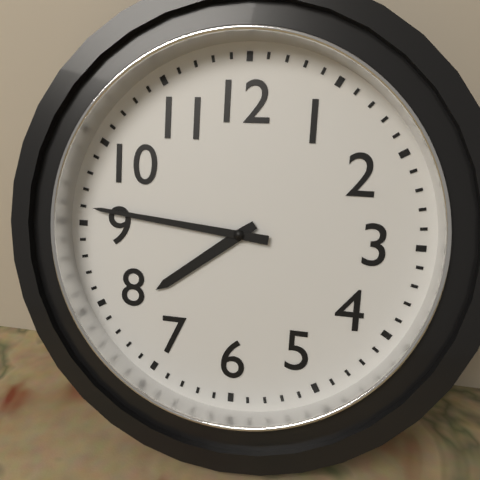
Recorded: h=7 m=46
